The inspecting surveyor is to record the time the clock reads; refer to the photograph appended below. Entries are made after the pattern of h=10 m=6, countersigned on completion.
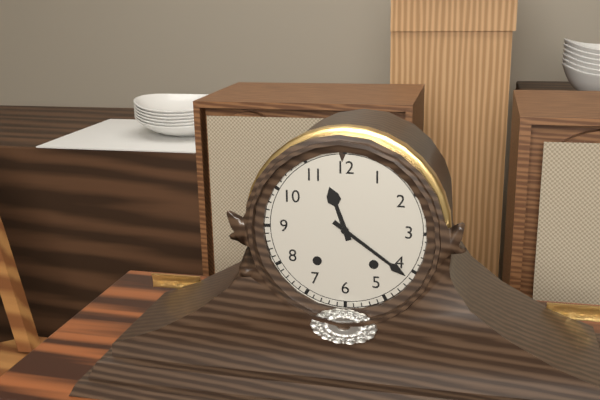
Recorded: h=11 m=21
